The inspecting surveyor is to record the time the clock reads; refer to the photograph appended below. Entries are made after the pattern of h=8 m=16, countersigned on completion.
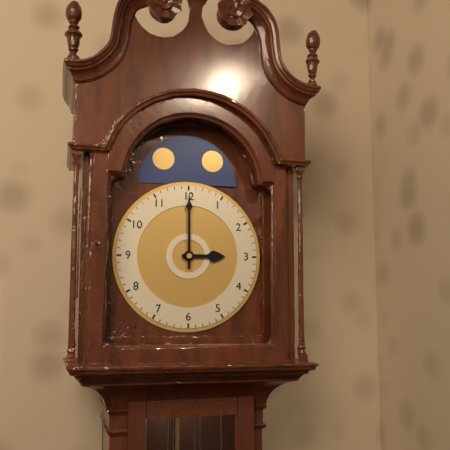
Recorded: h=3 m=0
